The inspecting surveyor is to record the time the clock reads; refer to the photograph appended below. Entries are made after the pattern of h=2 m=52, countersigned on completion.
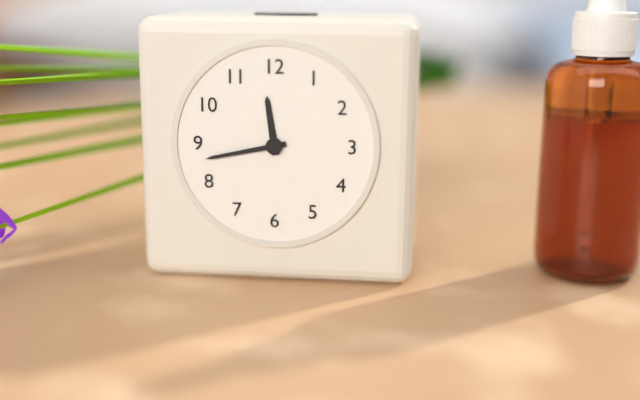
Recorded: h=11 m=43
